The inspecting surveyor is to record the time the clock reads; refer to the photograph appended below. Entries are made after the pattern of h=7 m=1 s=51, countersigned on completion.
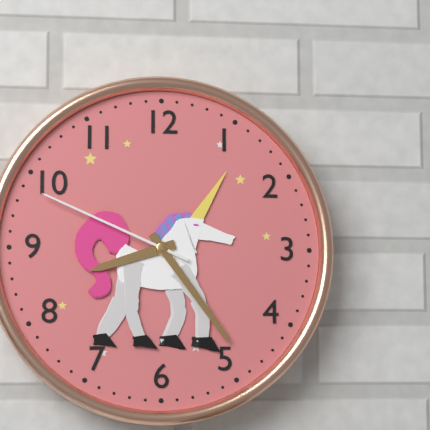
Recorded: h=8 m=24 s=49
